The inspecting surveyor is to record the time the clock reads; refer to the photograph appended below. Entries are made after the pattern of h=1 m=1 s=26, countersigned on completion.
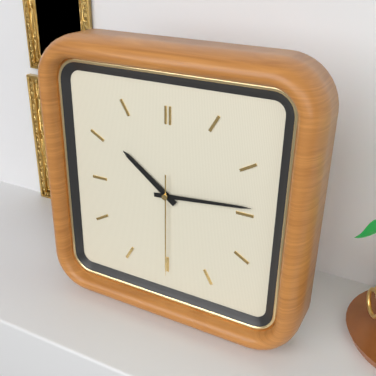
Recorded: h=10 m=14 s=30
